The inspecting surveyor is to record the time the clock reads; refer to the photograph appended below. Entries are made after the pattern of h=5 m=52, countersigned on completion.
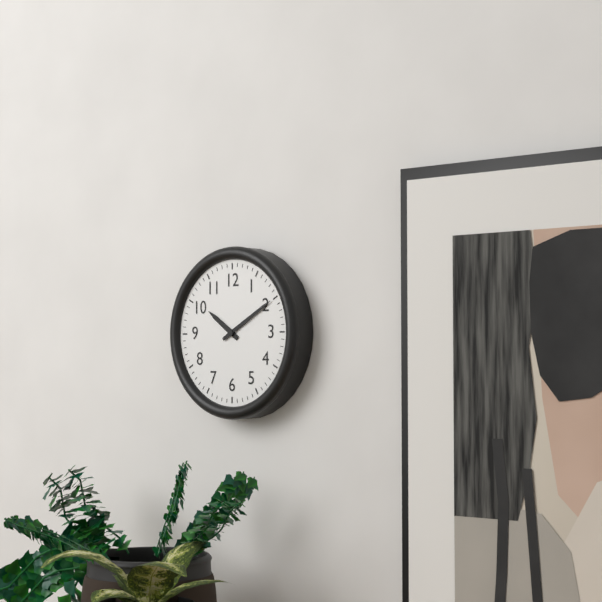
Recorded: h=10 m=10
